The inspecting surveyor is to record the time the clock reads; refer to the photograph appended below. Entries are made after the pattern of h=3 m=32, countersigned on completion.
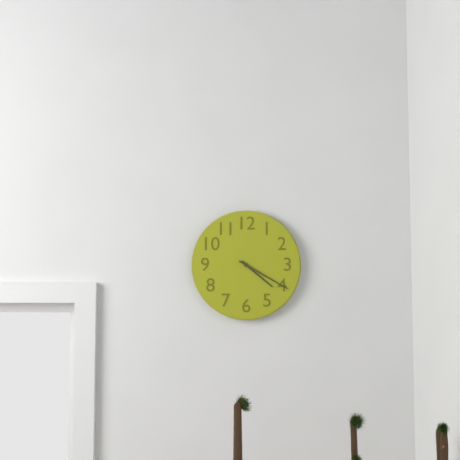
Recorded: h=4 m=20
